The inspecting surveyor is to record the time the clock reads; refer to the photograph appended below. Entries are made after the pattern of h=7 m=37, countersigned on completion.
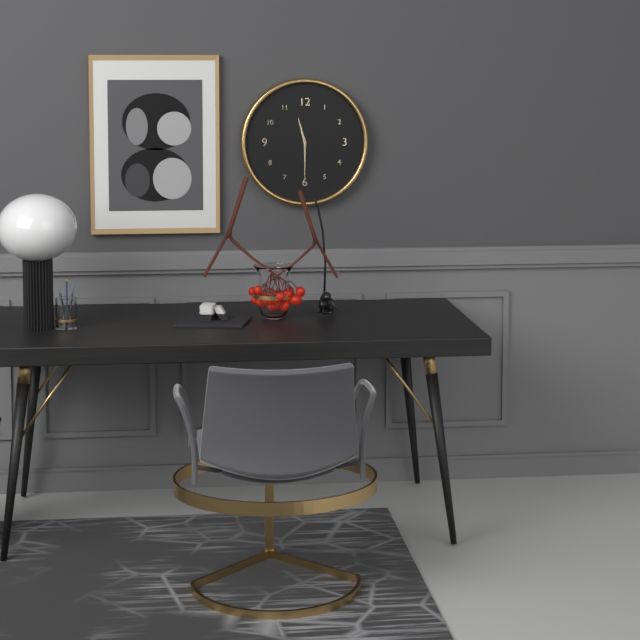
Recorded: h=11 m=30
